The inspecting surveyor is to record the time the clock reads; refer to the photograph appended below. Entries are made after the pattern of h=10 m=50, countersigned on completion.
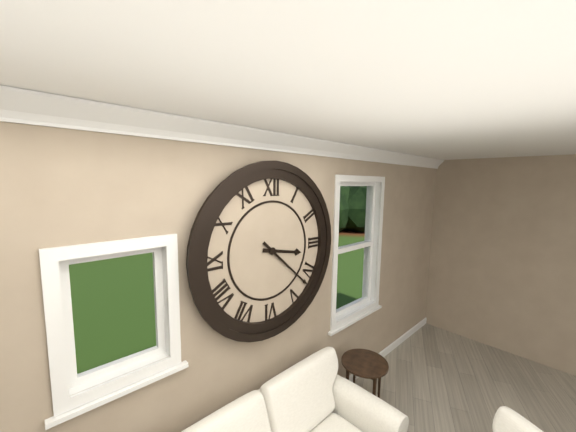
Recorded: h=3 m=22
